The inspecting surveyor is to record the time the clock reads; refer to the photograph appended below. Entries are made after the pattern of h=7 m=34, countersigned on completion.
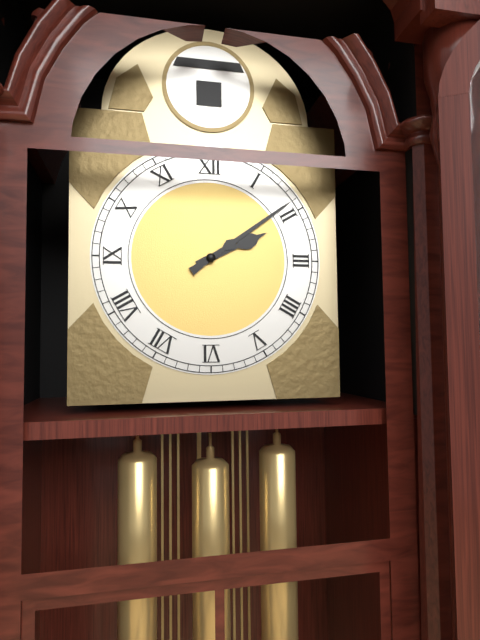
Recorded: h=2 m=9
